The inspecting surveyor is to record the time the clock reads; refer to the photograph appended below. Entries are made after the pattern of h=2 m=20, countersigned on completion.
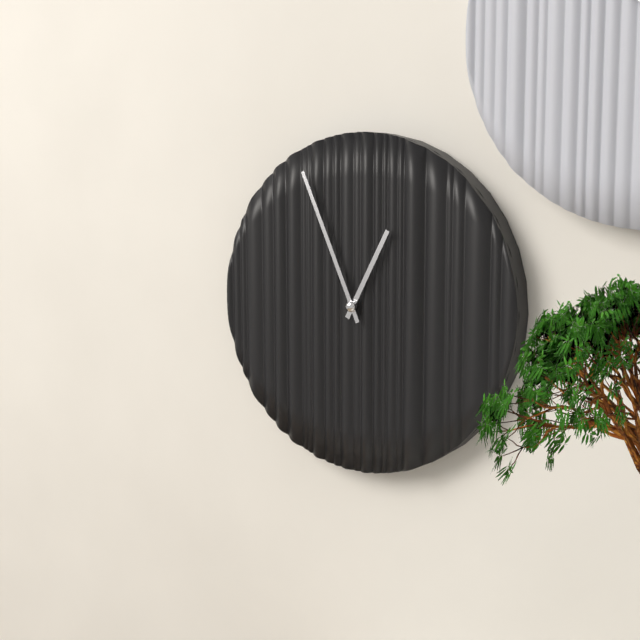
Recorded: h=12 m=56
